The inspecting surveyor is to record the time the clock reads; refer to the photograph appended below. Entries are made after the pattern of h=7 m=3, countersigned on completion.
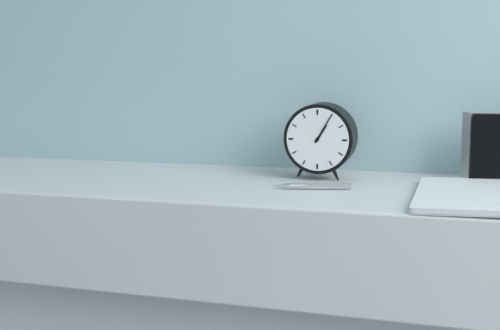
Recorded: h=1 m=5
